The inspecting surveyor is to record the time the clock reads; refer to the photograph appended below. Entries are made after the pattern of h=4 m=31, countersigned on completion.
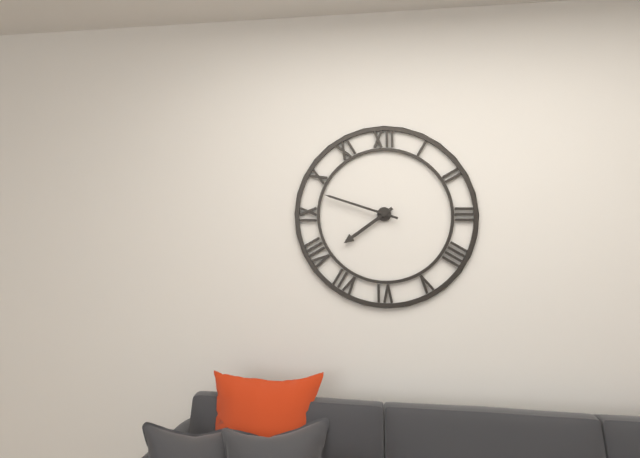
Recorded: h=7 m=48
